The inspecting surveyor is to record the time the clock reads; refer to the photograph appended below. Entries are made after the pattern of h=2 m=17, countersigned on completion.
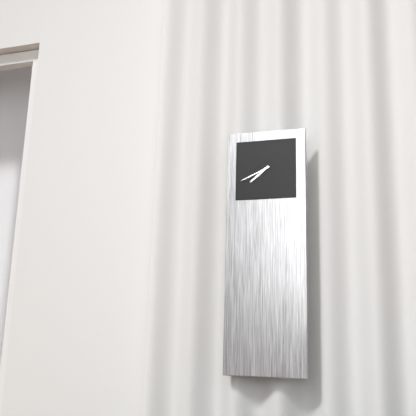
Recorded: h=7 m=41
